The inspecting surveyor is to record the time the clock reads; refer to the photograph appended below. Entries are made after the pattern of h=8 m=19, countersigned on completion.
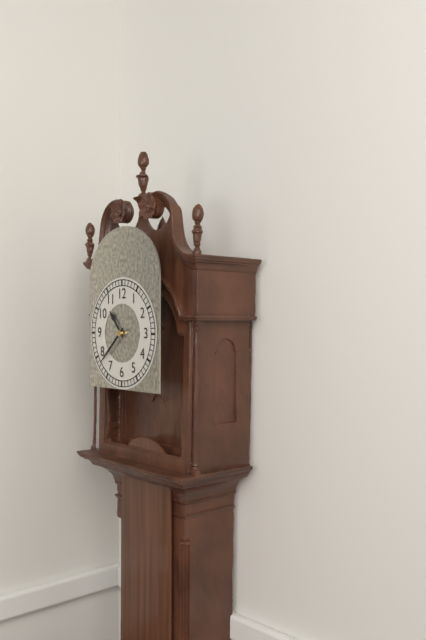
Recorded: h=10 m=38
